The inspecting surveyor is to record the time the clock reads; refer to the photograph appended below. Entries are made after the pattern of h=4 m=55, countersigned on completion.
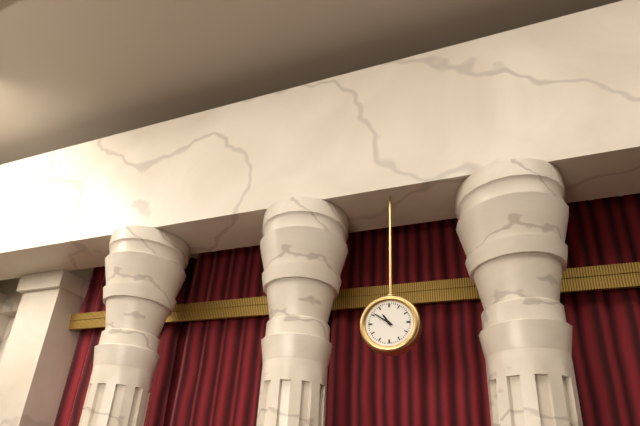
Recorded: h=10 m=51
